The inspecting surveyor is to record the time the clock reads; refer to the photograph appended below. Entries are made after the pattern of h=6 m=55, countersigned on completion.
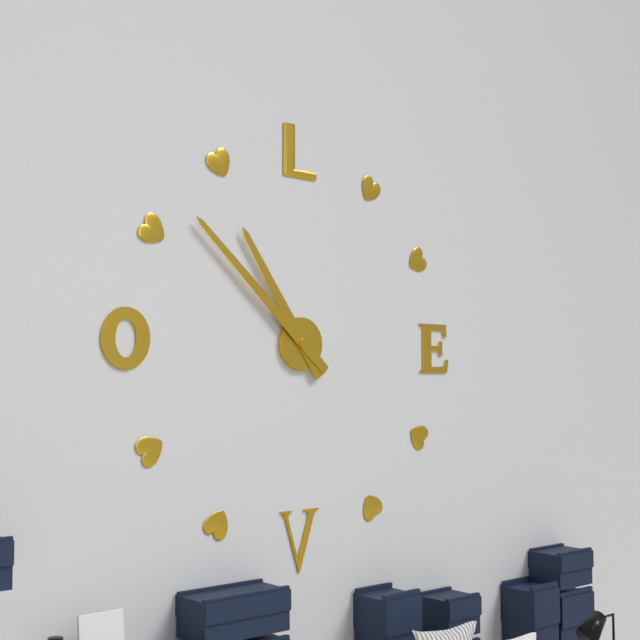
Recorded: h=10 m=52
